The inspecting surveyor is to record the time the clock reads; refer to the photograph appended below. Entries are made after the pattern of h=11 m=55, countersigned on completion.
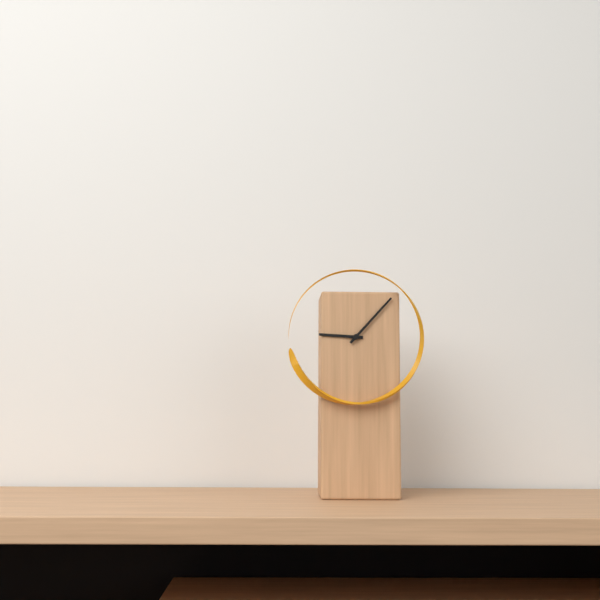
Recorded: h=9 m=7
